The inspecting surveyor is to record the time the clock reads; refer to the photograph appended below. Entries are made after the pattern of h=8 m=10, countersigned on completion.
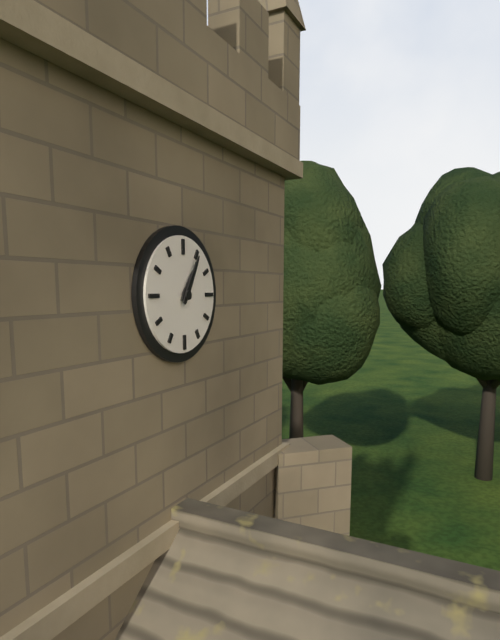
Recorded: h=1 m=5
